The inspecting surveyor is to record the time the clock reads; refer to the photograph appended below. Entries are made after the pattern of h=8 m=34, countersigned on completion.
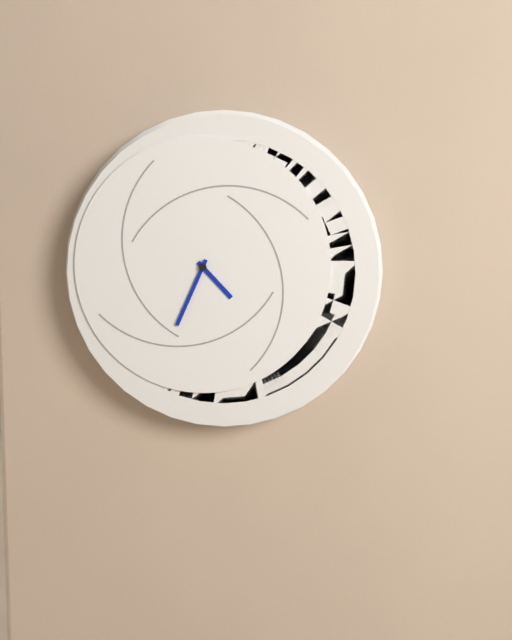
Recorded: h=4 m=34
